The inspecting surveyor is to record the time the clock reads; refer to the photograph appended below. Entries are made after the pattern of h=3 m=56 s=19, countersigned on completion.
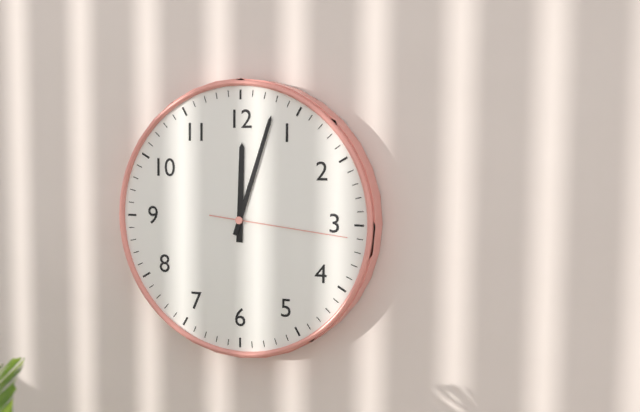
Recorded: h=12 m=3 s=16
